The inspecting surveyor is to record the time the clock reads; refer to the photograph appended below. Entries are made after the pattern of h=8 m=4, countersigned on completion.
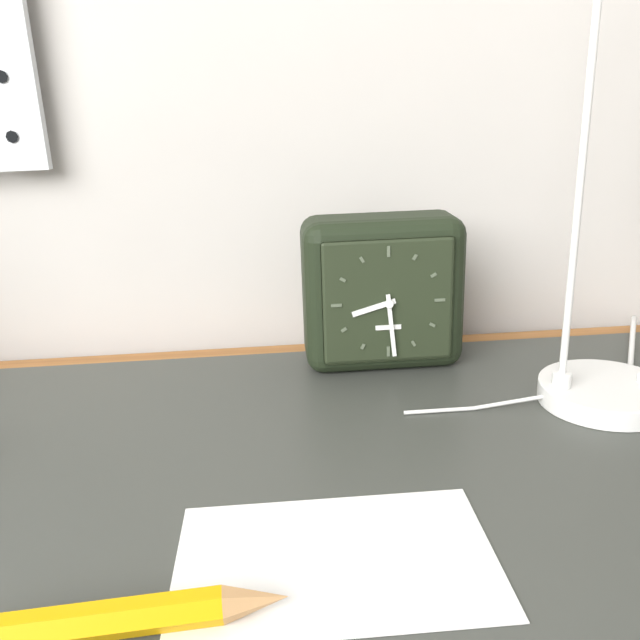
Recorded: h=8 m=29
